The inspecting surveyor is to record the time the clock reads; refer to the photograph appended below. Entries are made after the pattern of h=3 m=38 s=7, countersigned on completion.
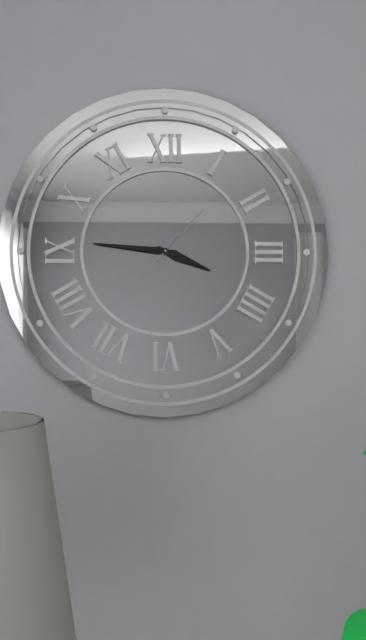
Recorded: h=3 m=46 s=7
